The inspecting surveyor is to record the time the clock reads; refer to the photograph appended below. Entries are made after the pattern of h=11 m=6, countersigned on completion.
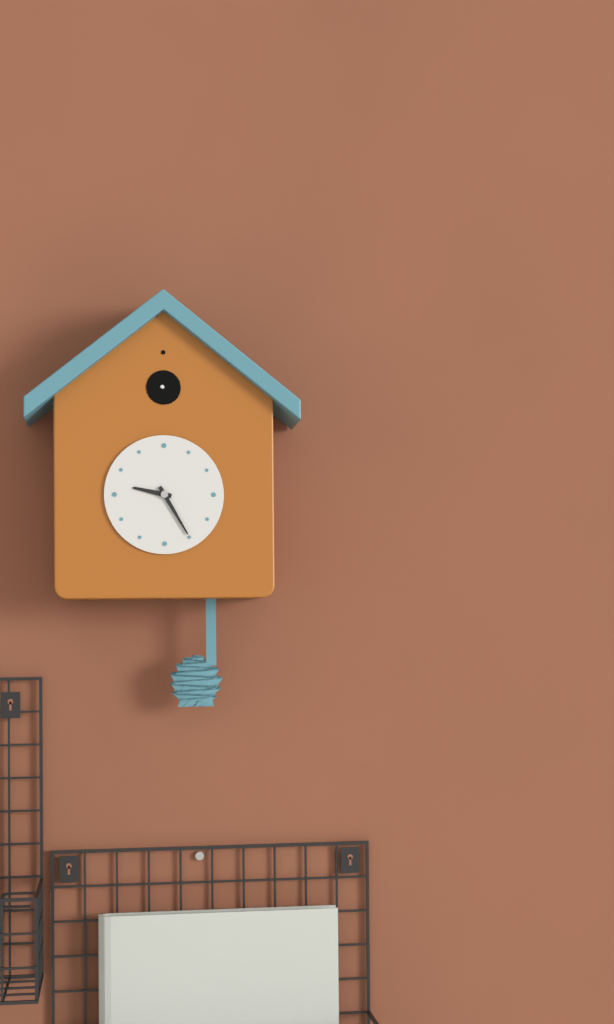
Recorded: h=9 m=25
